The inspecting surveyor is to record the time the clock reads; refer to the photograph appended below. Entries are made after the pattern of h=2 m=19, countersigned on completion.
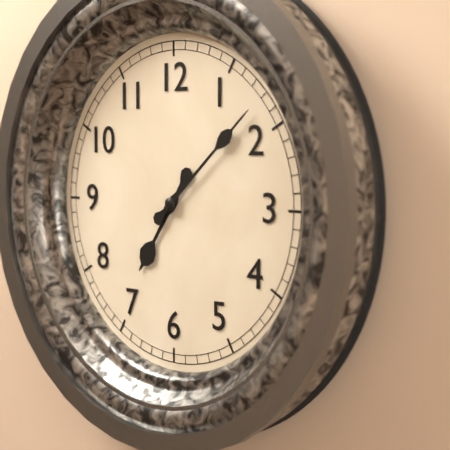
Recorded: h=7 m=8
